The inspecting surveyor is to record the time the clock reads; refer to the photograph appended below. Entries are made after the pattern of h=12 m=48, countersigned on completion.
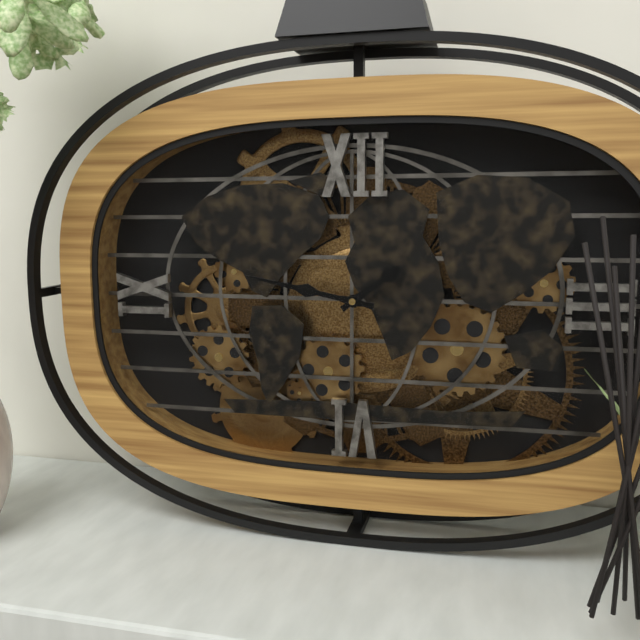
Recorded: h=1 m=47
